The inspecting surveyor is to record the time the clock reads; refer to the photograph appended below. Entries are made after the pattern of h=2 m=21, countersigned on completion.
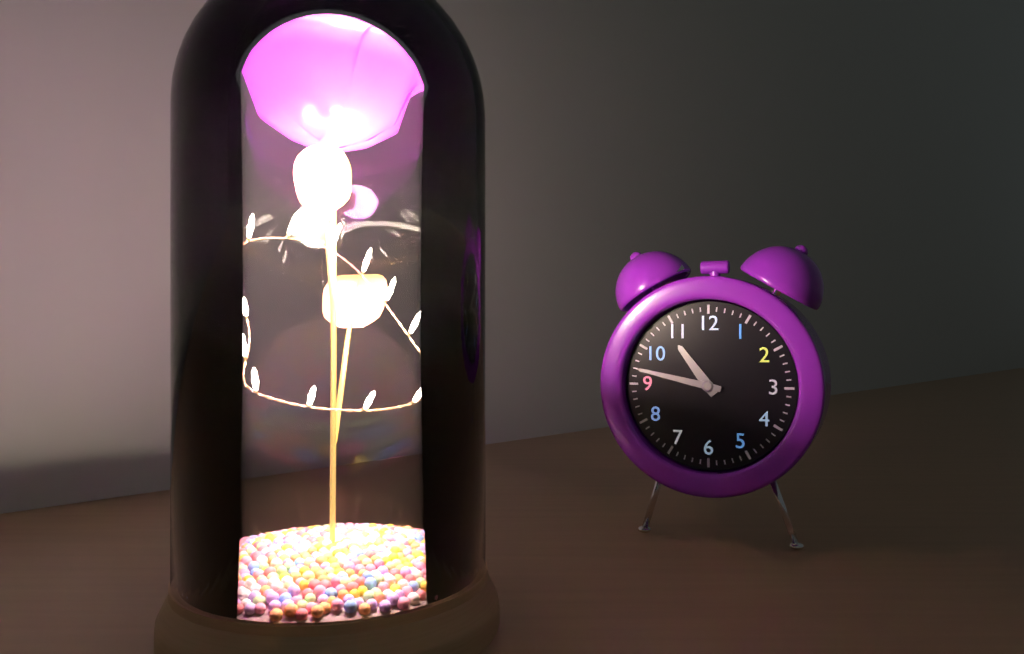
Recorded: h=10 m=47
